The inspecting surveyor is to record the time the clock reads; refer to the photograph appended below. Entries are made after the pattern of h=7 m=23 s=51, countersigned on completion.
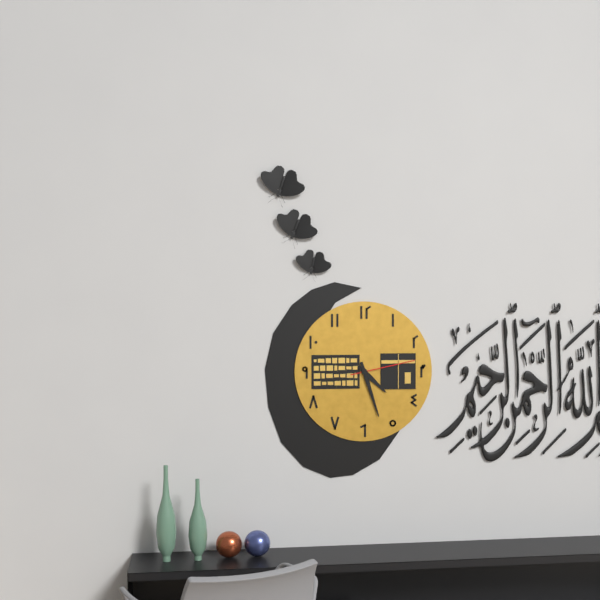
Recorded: h=4 m=27 s=13
